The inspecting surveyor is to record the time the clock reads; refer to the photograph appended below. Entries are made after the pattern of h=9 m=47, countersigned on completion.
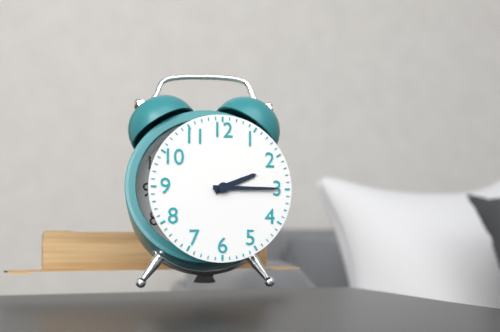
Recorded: h=2 m=15
